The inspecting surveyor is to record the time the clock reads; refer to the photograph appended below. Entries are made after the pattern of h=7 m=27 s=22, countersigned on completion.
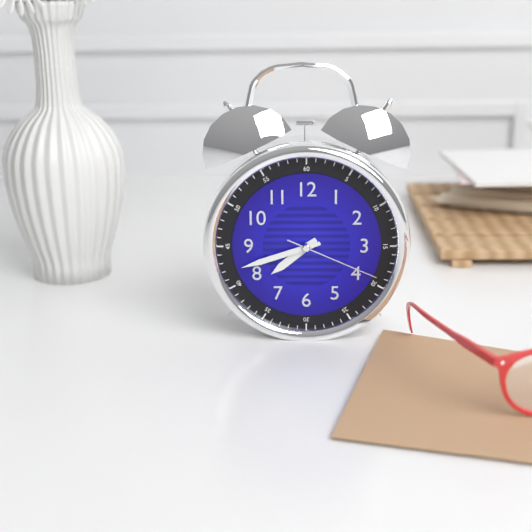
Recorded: h=7 m=42 s=19
